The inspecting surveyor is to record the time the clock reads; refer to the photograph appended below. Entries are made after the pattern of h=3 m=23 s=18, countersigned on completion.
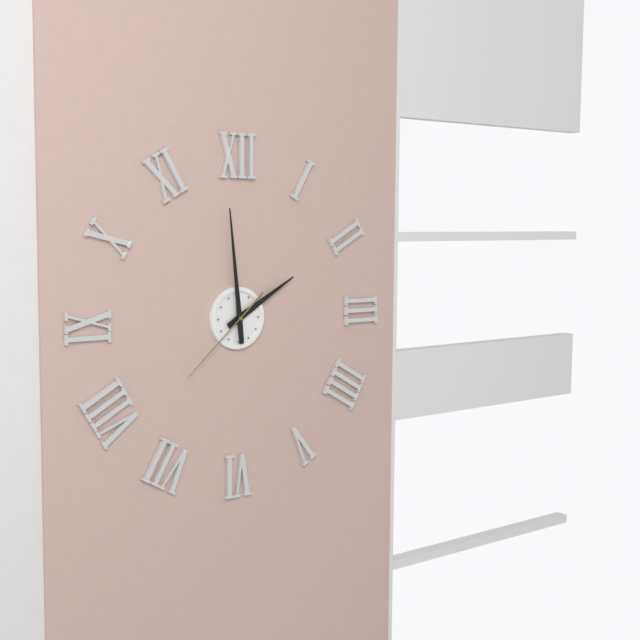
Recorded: h=1 m=59 s=38
